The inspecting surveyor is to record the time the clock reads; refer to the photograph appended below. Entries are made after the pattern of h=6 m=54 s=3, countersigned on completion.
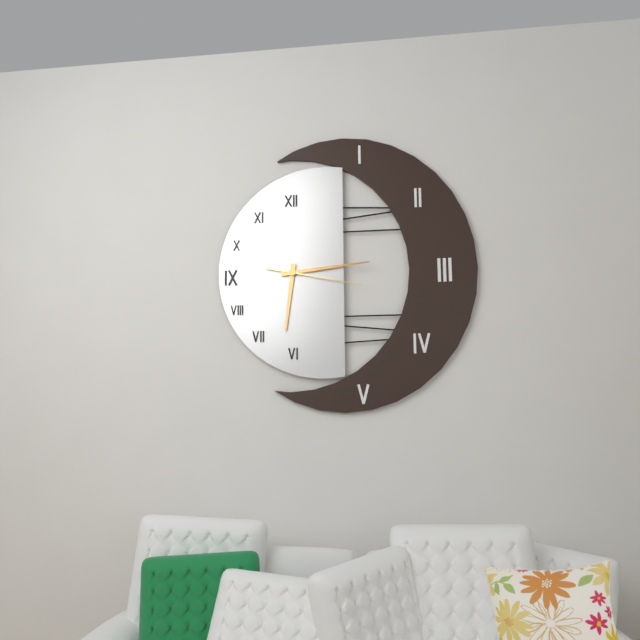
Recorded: h=6 m=14 s=17
